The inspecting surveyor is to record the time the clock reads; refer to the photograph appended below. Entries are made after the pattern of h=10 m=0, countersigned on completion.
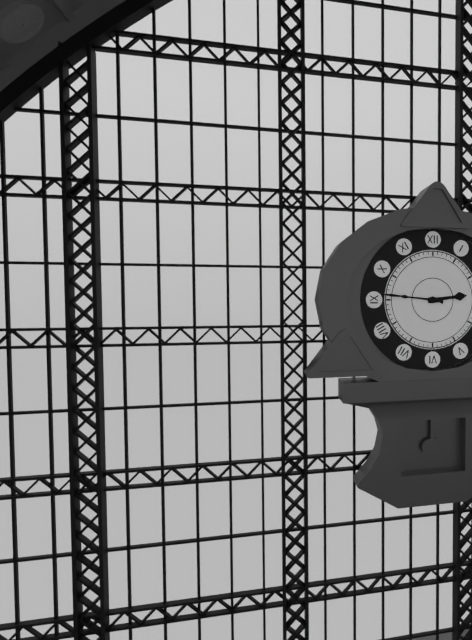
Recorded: h=2 m=46
